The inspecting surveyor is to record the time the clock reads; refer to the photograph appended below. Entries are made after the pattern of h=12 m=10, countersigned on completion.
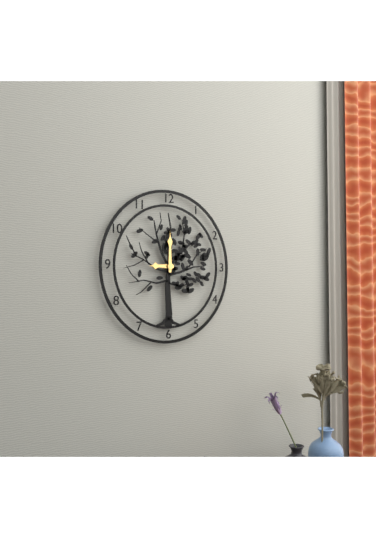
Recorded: h=9 m=0
